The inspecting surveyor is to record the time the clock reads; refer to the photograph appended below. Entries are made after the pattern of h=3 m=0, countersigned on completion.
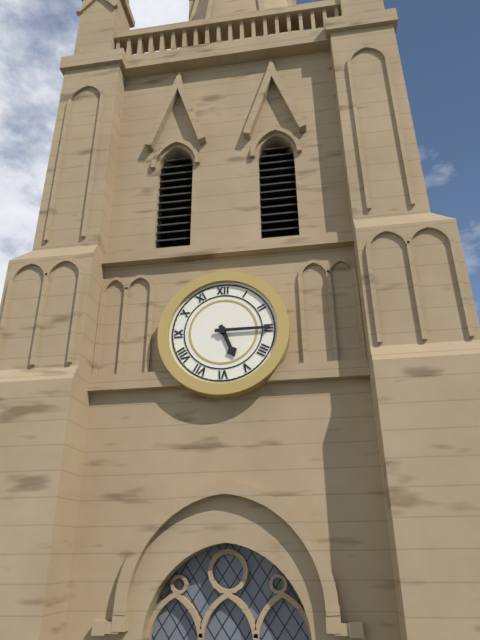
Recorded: h=5 m=15
